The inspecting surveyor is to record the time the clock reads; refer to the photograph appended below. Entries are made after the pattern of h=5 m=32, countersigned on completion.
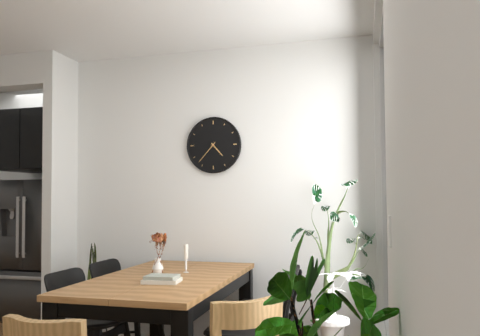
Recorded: h=4 m=37
